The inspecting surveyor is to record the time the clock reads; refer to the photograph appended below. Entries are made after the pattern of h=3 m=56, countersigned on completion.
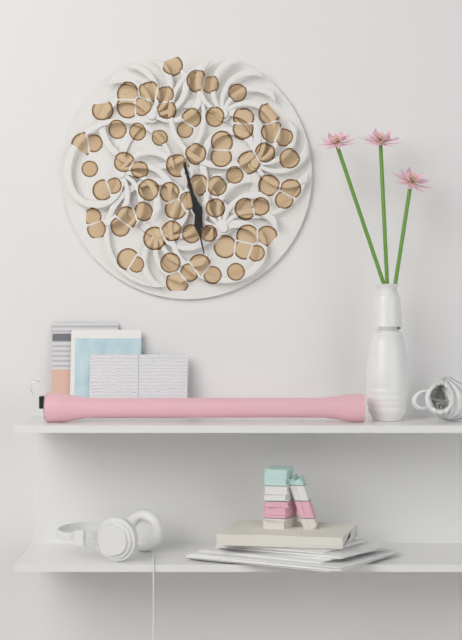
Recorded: h=5 m=28
